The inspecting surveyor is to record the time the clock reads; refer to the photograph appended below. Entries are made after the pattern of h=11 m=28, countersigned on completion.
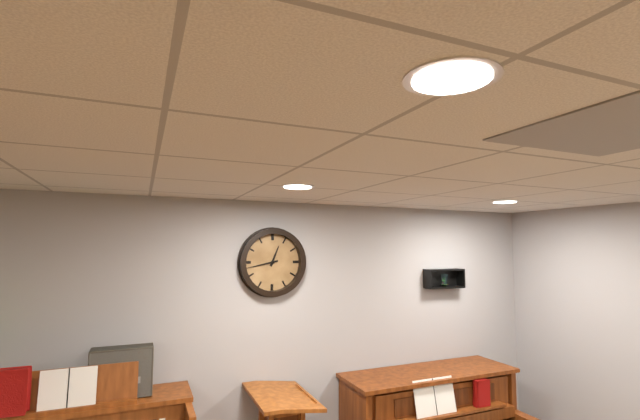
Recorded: h=12 m=43
